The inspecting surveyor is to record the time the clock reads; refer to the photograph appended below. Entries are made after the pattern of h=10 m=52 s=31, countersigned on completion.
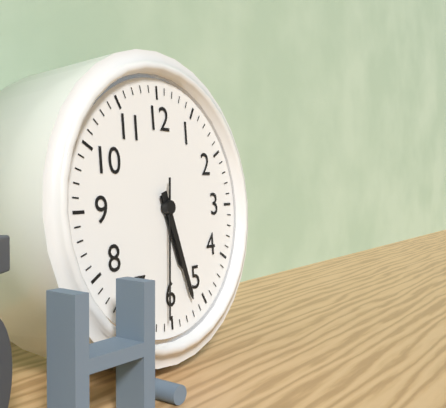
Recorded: h=5 m=27 s=31
